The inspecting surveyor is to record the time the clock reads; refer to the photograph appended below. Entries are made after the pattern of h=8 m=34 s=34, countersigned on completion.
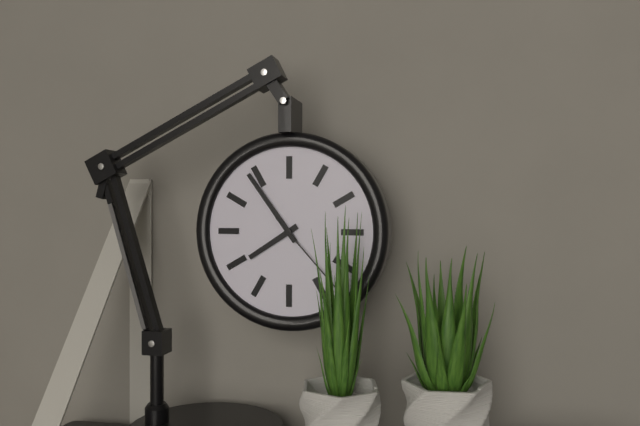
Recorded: h=7 m=54 s=23
